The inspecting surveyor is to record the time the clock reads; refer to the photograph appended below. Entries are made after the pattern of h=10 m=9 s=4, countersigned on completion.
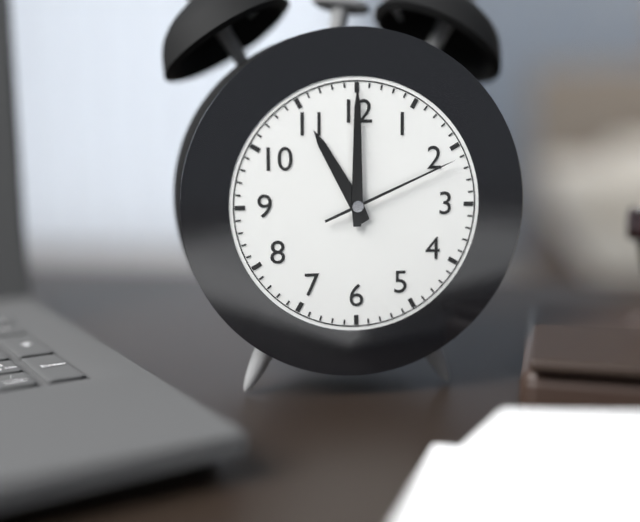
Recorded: h=11 m=0 s=11
